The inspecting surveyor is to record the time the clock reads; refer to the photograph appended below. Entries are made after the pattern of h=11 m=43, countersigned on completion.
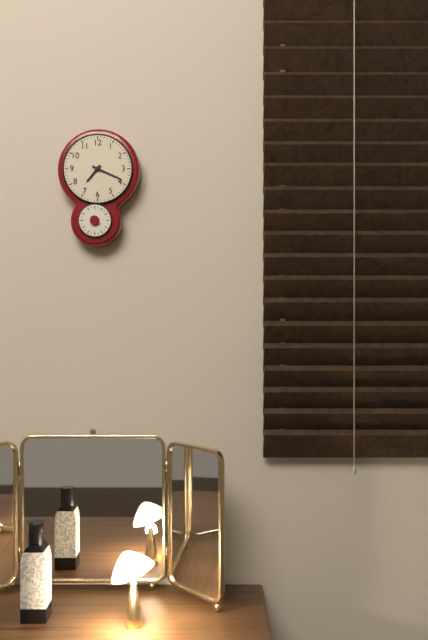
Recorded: h=7 m=19
